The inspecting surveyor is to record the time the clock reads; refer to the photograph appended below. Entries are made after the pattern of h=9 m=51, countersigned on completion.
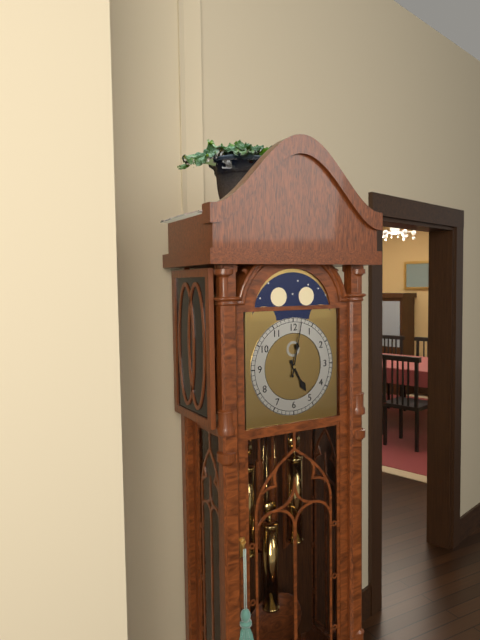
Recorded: h=5 m=2
